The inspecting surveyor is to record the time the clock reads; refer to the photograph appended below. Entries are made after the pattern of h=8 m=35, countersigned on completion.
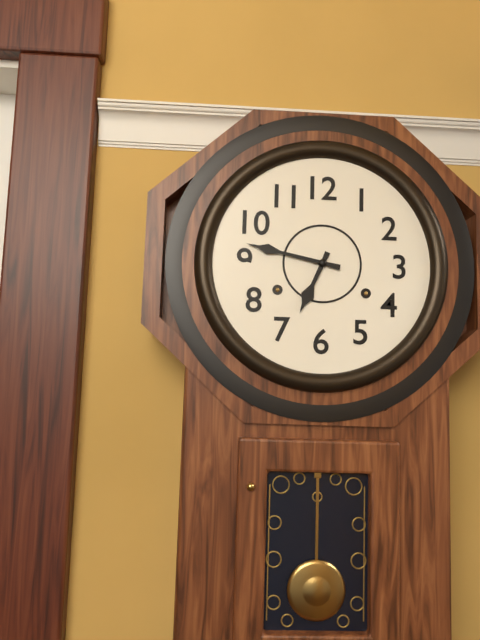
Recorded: h=6 m=47
